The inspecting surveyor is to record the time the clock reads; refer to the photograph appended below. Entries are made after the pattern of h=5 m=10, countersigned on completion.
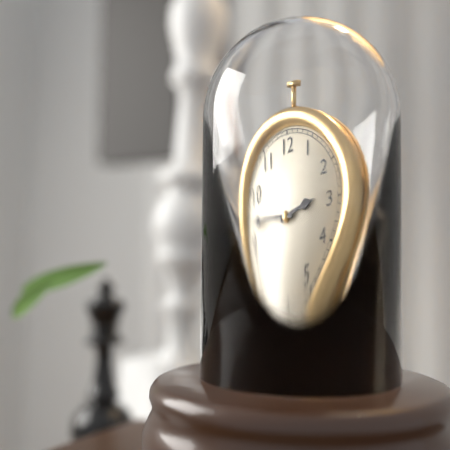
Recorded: h=2 m=47
